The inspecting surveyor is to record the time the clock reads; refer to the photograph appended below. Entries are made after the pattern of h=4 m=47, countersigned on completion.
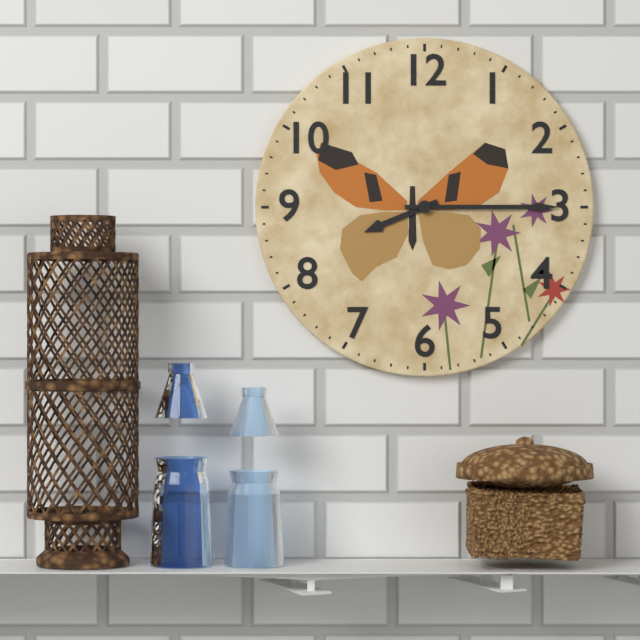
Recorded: h=8 m=15
